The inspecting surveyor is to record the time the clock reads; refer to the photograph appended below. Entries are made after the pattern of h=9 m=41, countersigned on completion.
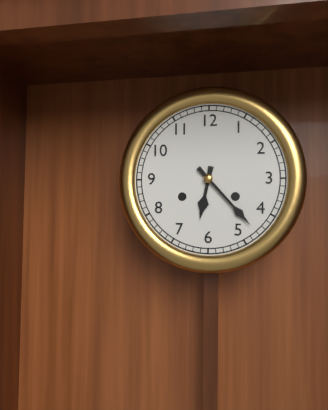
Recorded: h=6 m=23
